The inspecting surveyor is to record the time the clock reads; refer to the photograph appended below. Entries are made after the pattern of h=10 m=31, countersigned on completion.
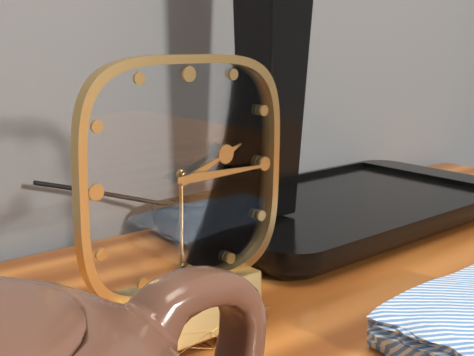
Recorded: h=2 m=15
